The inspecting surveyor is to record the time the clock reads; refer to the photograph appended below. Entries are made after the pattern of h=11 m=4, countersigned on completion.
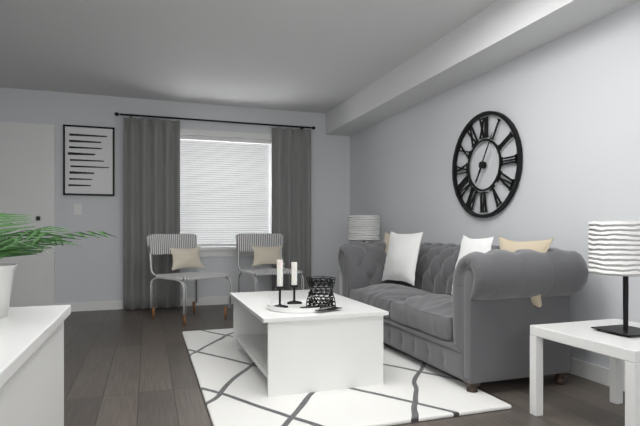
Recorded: h=7 m=5
